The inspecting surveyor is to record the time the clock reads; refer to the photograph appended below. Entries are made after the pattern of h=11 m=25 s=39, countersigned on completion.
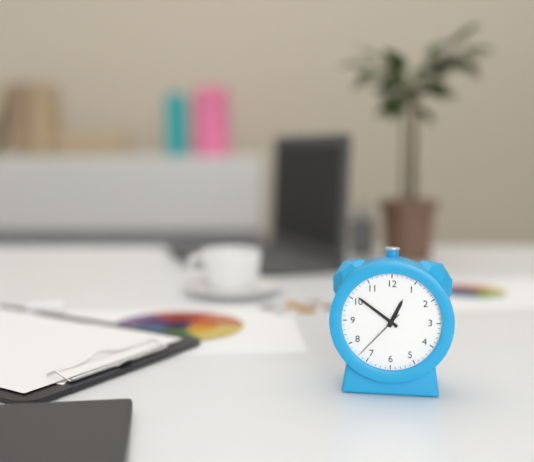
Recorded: h=12 m=51 s=37
